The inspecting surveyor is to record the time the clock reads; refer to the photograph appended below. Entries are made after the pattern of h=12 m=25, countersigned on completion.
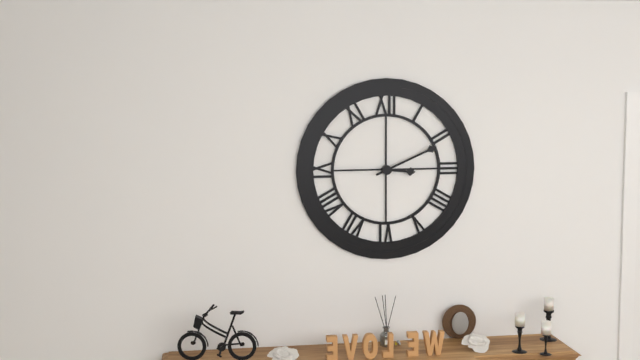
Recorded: h=3 m=11
